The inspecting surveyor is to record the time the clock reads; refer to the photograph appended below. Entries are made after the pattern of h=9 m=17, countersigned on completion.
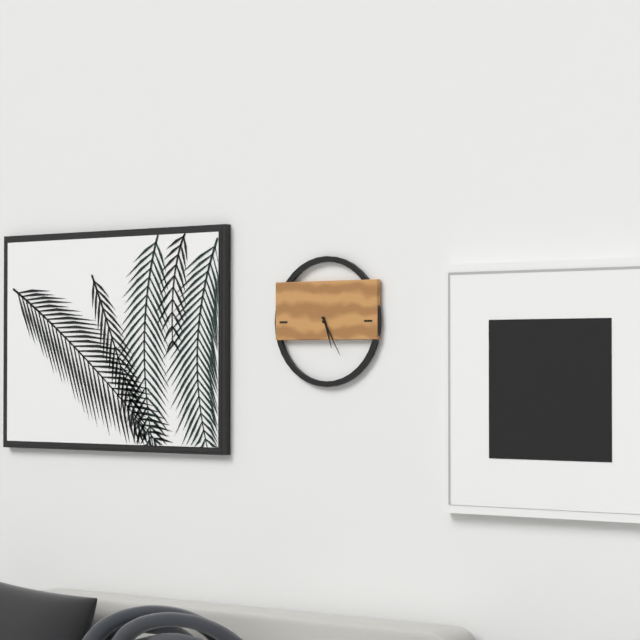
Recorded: h=5 m=25
